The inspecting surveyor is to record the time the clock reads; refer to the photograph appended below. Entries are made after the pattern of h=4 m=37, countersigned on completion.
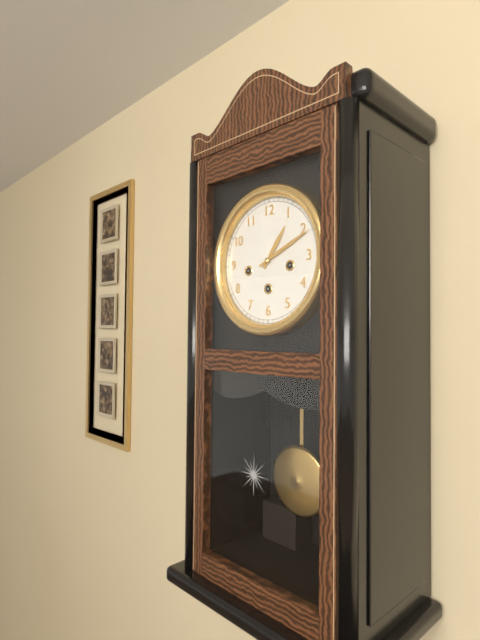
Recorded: h=1 m=11
